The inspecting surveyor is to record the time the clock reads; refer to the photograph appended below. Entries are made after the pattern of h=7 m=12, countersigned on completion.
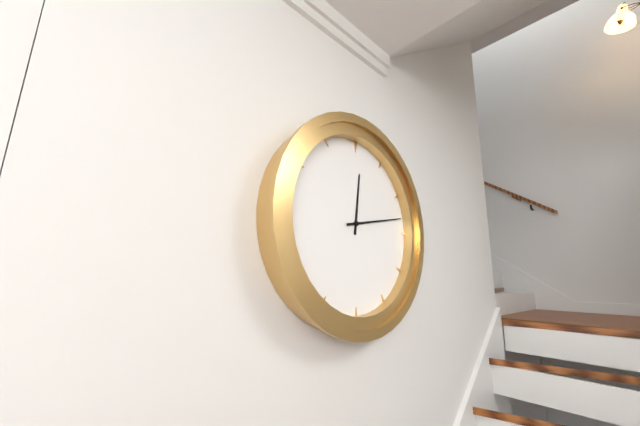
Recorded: h=12 m=13
